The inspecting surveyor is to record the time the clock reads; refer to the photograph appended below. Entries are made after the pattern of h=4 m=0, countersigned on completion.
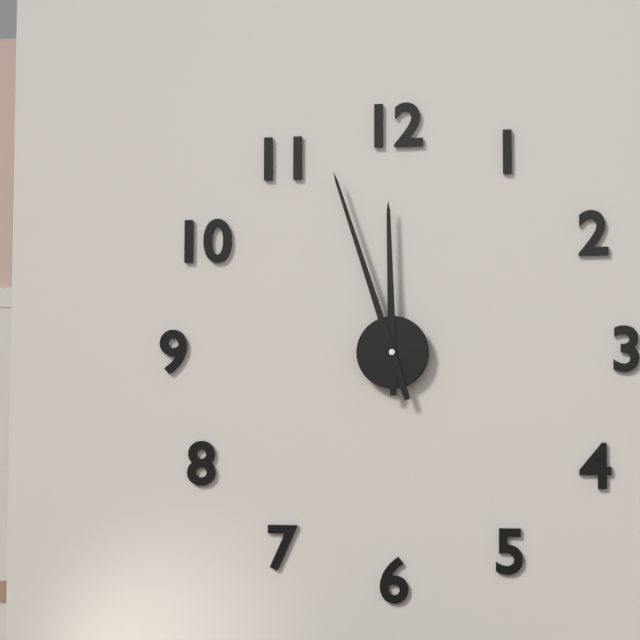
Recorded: h=11 m=57
